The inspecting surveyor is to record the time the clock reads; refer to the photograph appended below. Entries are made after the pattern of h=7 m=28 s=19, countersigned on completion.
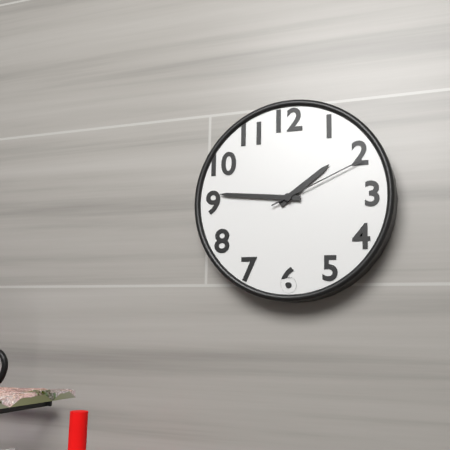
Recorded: h=1 m=46 s=11
